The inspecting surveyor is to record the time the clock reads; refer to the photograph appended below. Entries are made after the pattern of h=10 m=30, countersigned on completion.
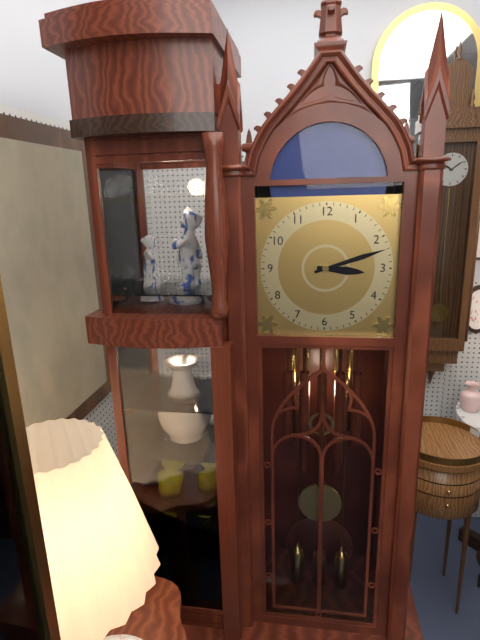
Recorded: h=3 m=12
